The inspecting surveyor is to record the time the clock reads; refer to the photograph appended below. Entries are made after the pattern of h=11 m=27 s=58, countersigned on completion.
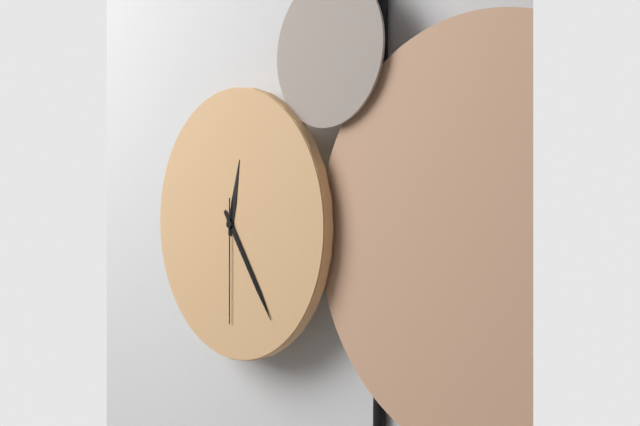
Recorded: h=12 m=24 s=30
